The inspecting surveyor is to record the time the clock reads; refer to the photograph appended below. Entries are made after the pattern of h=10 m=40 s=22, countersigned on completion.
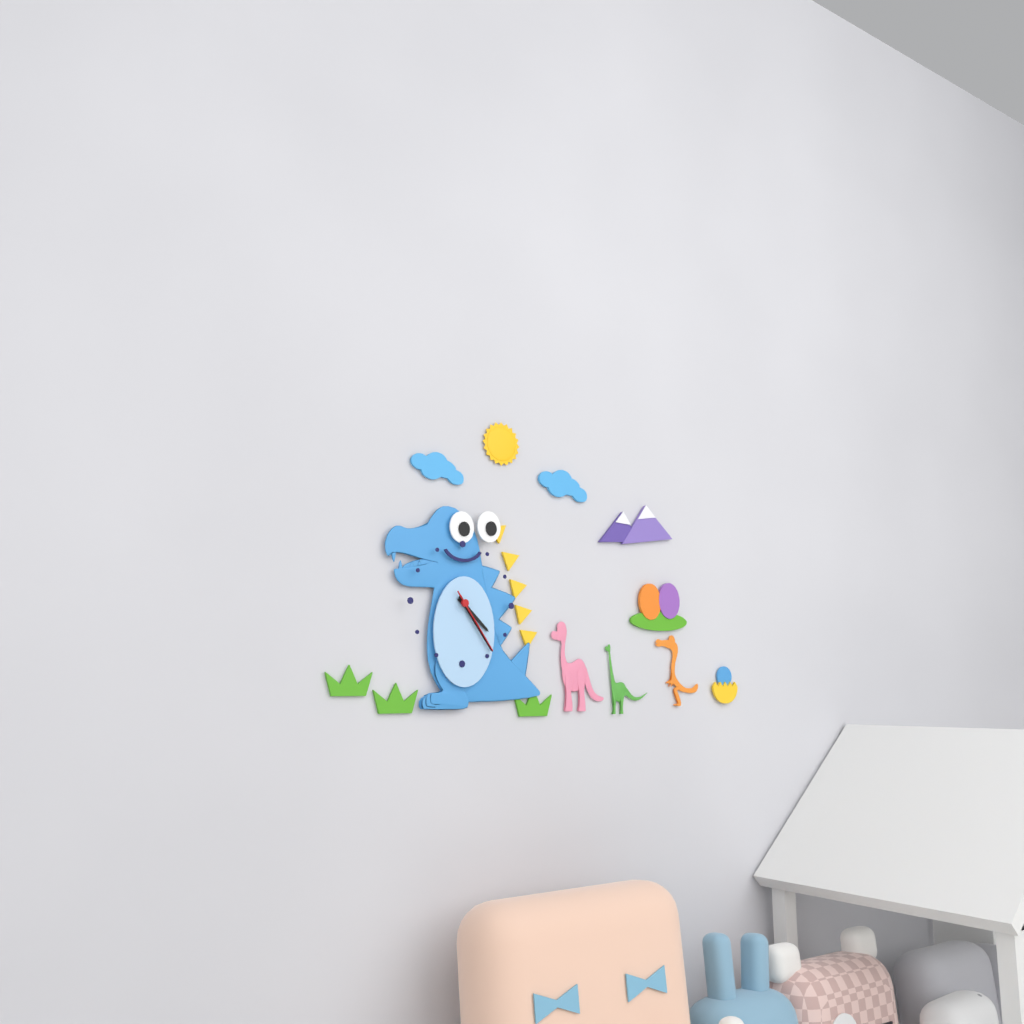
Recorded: h=4 m=24 s=24
